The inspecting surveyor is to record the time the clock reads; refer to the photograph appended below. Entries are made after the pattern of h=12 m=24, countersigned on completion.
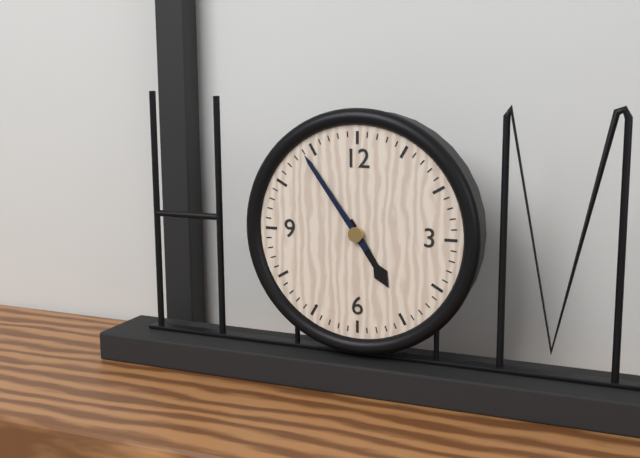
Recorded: h=4 m=54
